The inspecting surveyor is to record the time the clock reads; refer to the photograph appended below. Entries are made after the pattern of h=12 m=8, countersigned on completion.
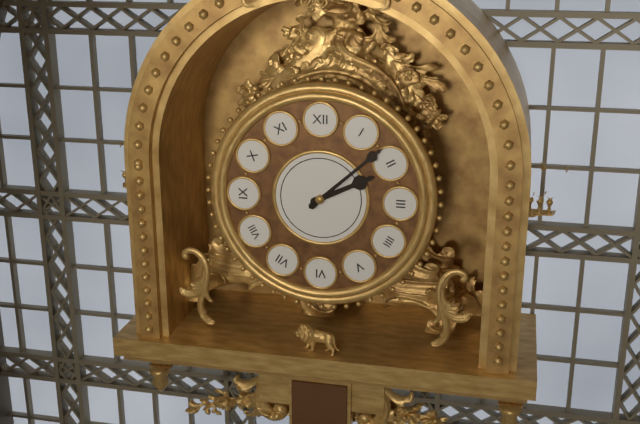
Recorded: h=2 m=8
